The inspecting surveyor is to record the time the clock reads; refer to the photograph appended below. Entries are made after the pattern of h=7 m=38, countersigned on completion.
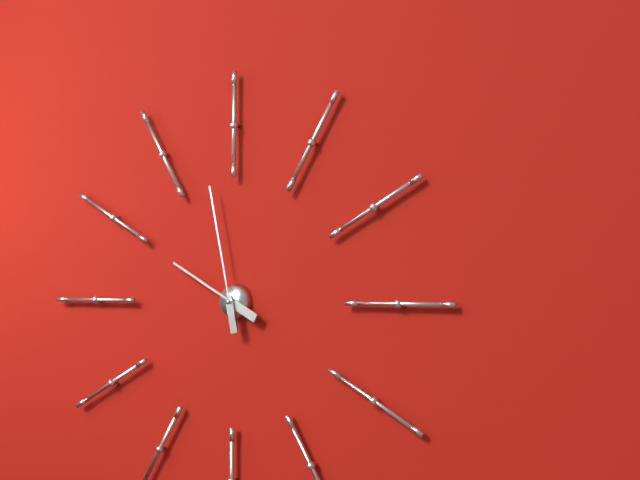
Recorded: h=9 m=58
